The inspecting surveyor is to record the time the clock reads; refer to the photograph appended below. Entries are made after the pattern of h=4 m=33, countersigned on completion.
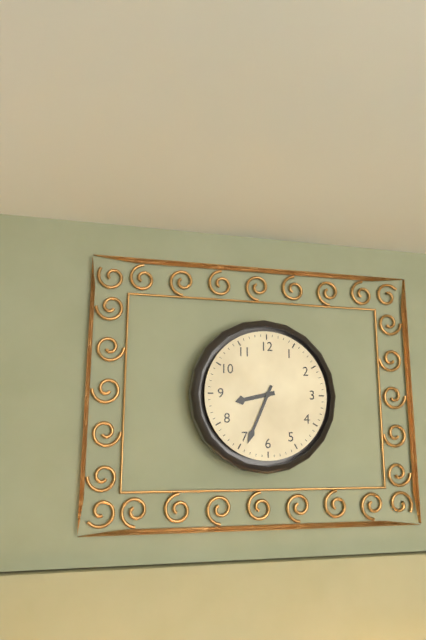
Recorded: h=8 m=34
